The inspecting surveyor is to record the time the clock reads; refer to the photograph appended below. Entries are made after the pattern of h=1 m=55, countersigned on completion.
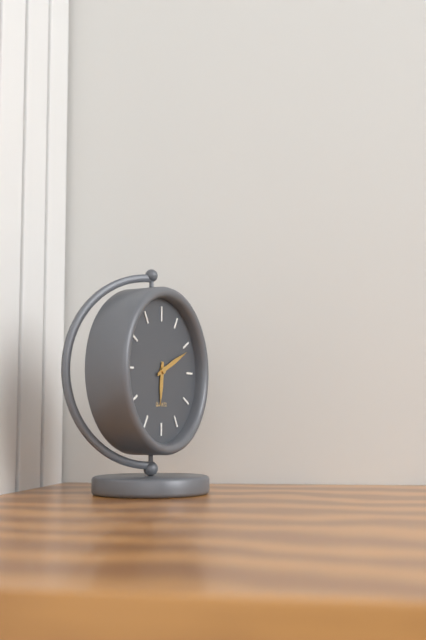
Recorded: h=6 m=11
